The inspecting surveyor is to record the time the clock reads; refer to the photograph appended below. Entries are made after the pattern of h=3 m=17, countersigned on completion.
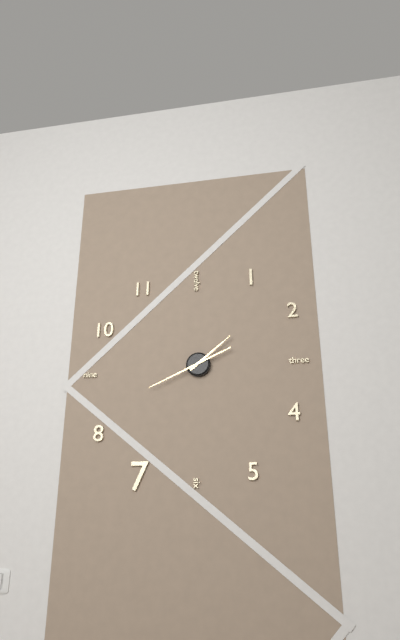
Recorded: h=1 m=41
